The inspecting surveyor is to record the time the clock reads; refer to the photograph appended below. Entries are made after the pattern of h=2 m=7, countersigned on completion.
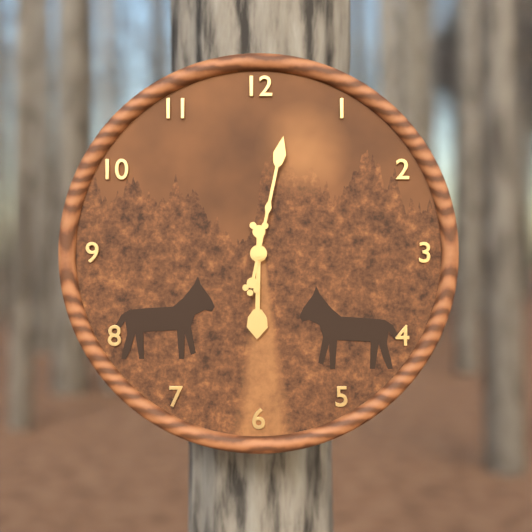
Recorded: h=6 m=2
